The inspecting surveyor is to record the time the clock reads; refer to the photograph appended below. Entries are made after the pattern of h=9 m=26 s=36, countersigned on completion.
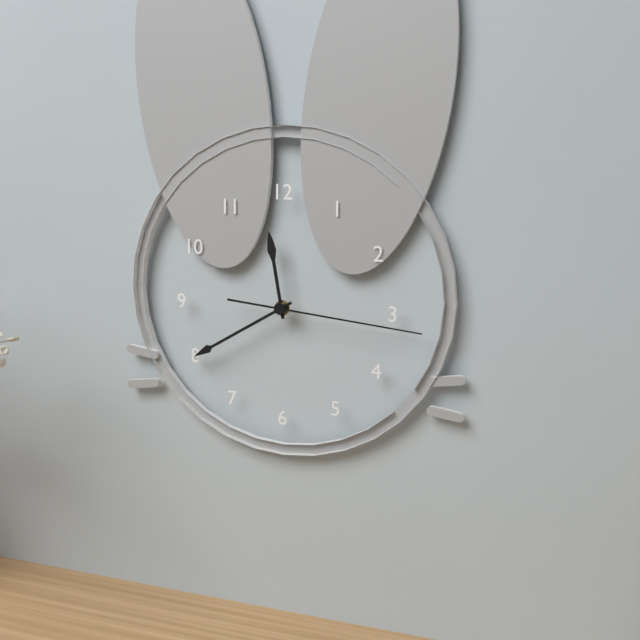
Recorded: h=11 m=40 s=16
